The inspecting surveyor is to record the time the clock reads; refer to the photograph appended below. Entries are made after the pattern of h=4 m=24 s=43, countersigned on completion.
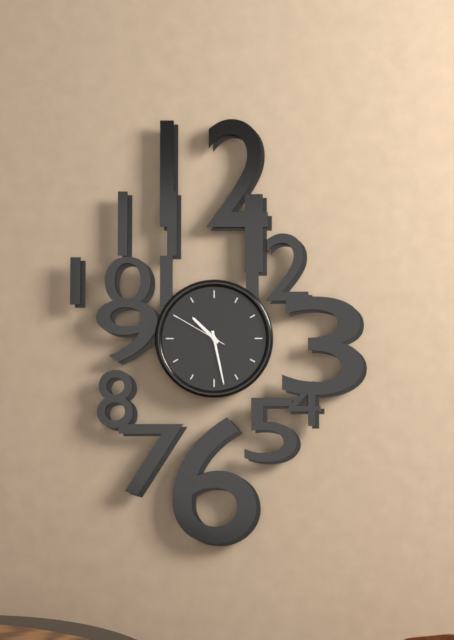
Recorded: h=10 m=28 s=50
